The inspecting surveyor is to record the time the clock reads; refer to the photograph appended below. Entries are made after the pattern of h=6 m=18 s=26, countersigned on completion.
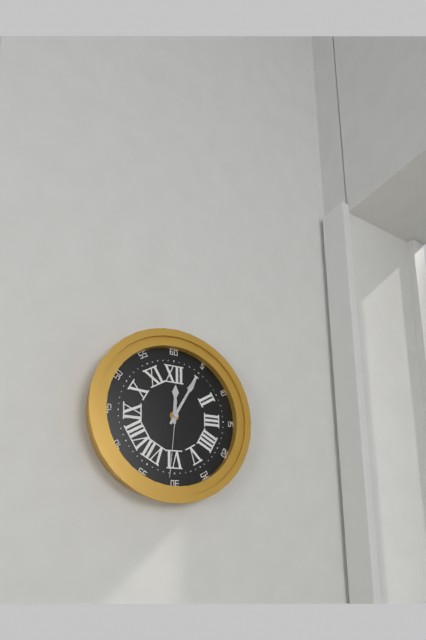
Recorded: h=12 m=5 s=31
